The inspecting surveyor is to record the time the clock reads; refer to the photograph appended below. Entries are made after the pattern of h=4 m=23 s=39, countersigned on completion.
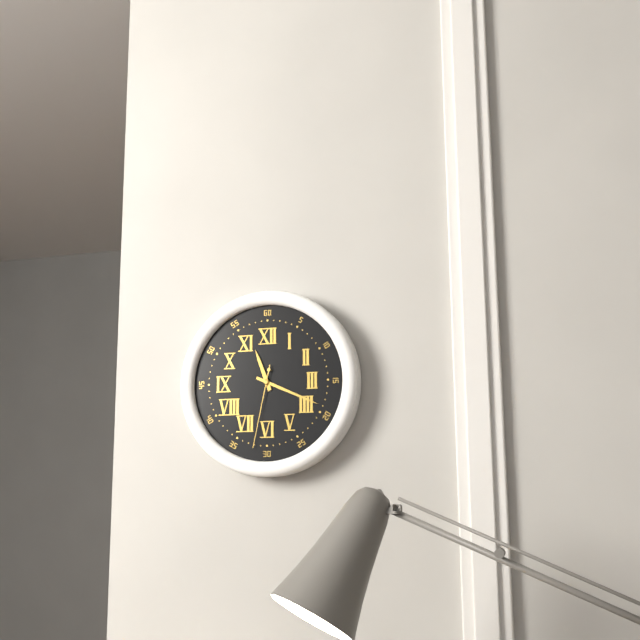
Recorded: h=11 m=19 s=32
